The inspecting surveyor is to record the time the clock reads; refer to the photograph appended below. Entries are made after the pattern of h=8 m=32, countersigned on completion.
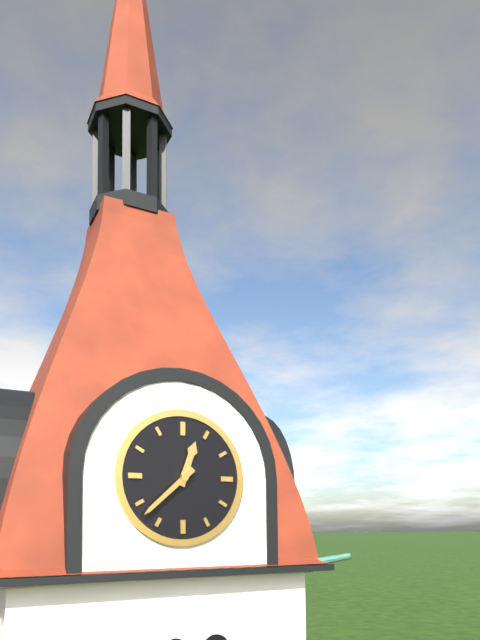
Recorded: h=12 m=38
